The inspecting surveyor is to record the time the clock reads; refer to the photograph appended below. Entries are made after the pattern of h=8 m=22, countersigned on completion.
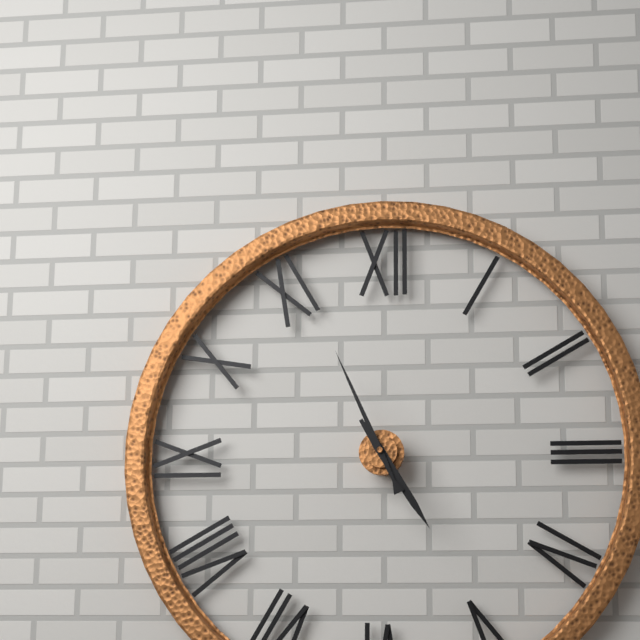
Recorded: h=4 m=56
